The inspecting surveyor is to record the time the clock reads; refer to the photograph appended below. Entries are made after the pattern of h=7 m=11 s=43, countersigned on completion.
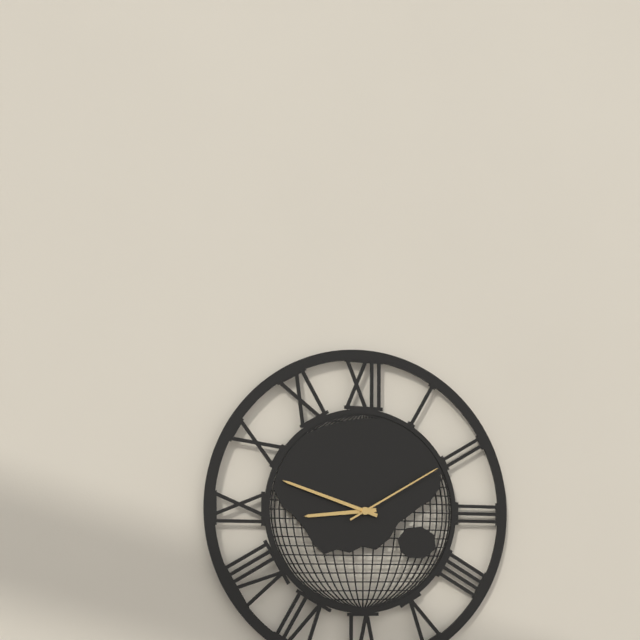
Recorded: h=8 m=48 s=10
